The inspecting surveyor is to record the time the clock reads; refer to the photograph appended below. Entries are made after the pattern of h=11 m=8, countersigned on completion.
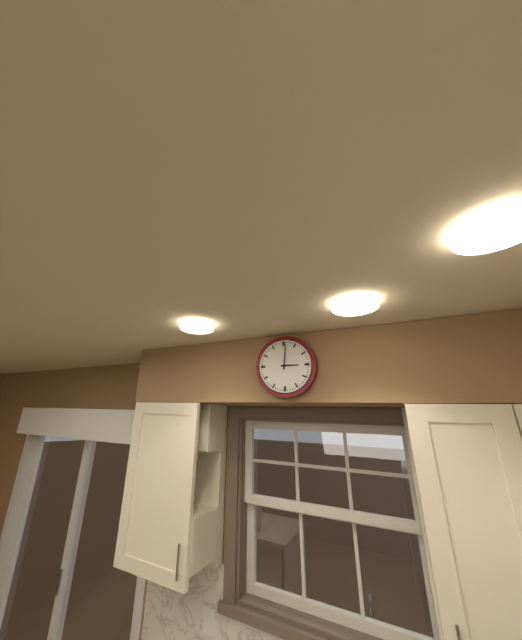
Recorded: h=3 m=1
